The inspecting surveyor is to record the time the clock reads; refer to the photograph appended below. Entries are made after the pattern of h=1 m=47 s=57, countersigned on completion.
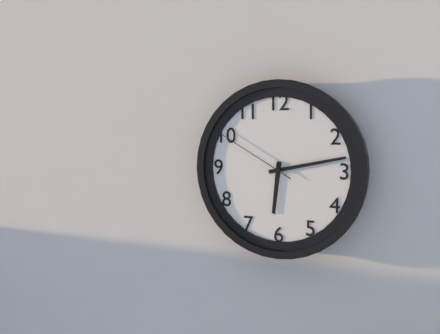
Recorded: h=6 m=13 s=50
